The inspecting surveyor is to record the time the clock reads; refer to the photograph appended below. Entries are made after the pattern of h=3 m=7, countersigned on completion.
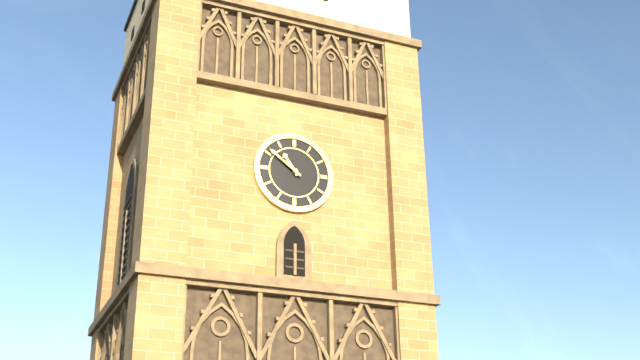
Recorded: h=10 m=51
